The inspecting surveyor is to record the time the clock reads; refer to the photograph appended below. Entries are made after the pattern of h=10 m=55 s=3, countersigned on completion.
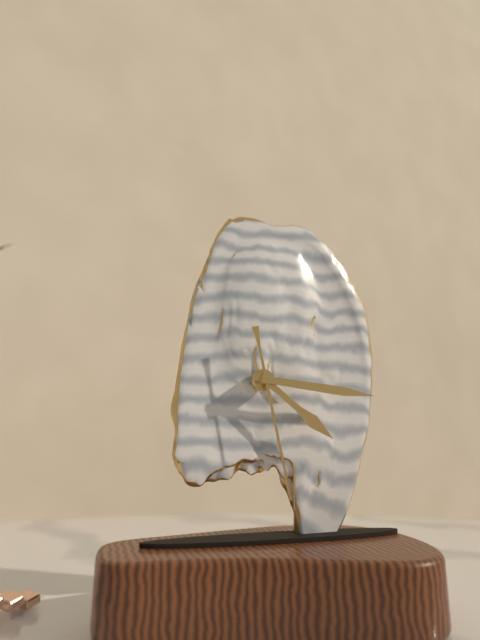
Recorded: h=4 m=16 s=28
